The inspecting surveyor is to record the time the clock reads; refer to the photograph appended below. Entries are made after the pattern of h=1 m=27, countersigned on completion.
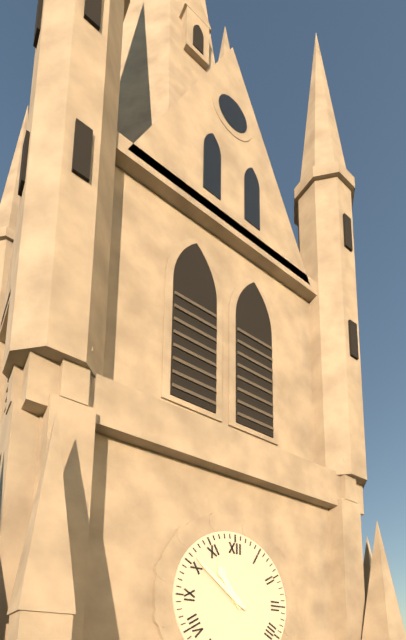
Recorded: h=10 m=51
